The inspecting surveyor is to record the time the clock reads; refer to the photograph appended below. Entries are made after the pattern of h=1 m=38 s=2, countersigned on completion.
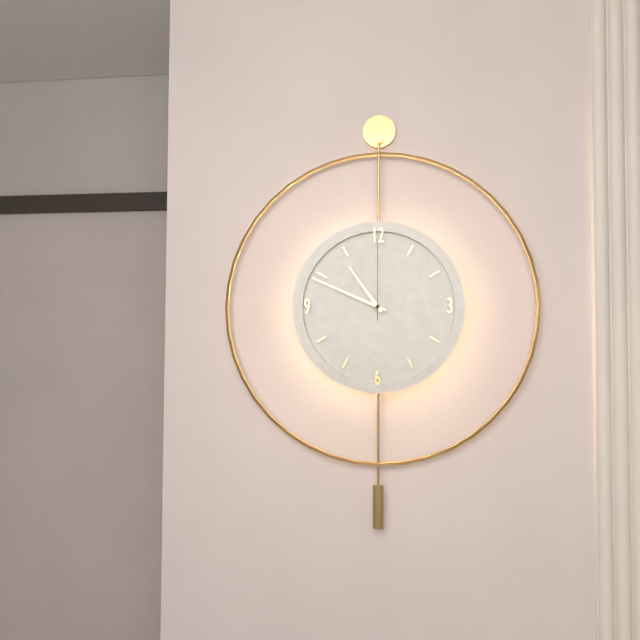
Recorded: h=10 m=49 s=0
